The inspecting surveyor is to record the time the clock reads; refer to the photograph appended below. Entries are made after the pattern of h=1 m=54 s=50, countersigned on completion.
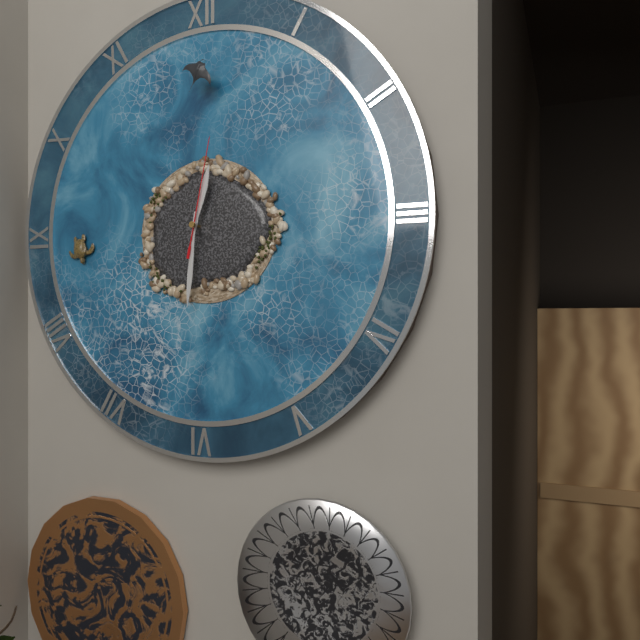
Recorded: h=12 m=31 s=2
